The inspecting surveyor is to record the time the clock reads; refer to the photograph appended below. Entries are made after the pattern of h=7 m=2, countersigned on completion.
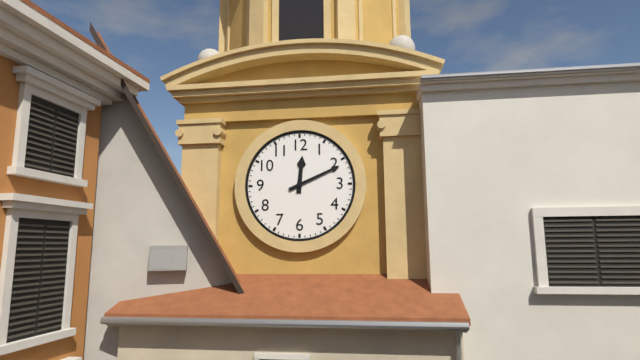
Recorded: h=12 m=11
